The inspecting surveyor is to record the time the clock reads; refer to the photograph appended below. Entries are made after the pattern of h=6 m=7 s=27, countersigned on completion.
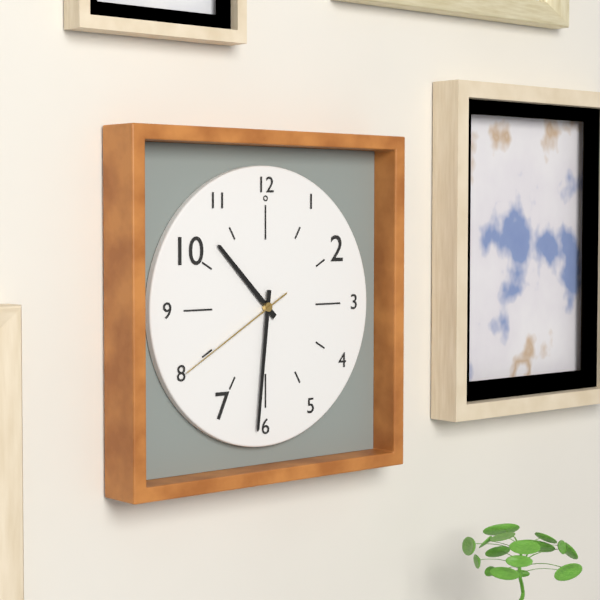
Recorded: h=10 m=31 s=40
